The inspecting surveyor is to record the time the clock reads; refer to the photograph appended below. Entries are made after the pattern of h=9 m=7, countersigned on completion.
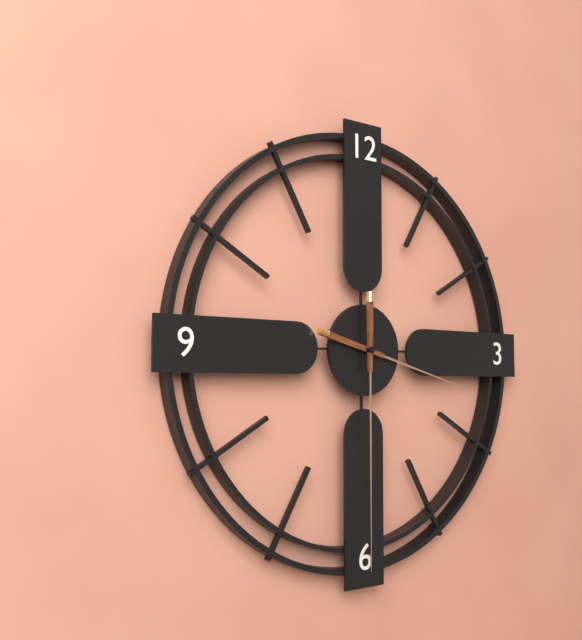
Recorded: h=3 m=30
